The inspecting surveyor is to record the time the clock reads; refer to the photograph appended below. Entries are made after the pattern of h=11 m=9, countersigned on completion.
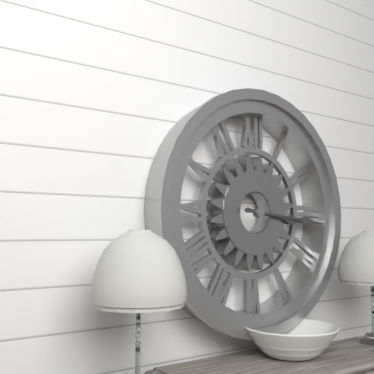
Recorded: h=3 m=16
